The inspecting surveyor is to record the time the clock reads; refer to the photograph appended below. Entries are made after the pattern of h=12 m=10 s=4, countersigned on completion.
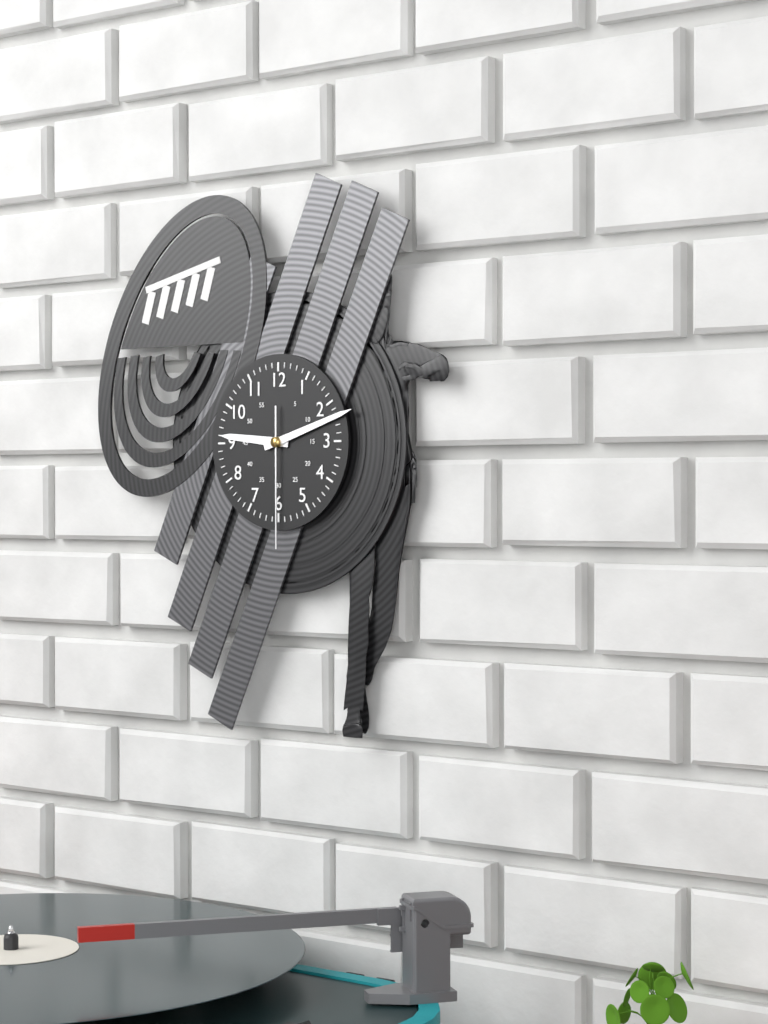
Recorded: h=9 m=12 s=30
